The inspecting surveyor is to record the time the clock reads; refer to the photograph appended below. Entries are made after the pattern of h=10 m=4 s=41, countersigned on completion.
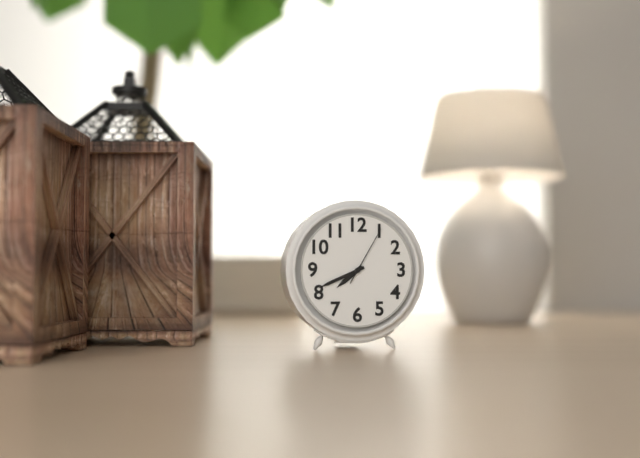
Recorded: h=7 m=41 s=5
